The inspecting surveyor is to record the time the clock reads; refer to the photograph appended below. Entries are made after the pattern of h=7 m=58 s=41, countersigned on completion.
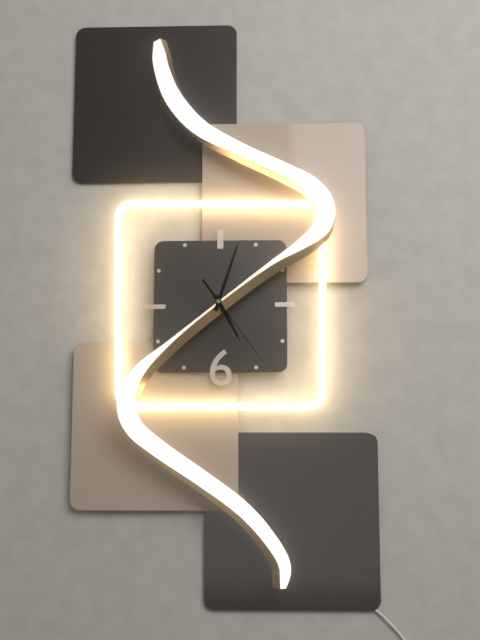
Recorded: h=5 m=3 s=24
